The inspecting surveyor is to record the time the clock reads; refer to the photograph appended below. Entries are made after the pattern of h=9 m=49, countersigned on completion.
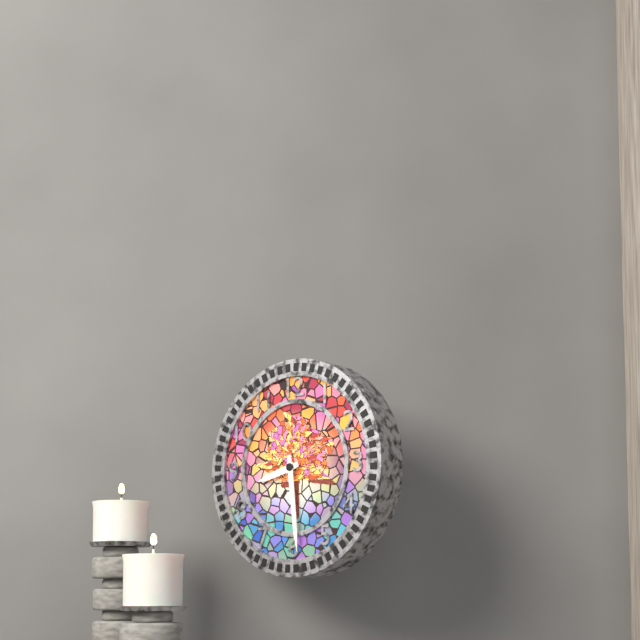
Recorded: h=8 m=29
